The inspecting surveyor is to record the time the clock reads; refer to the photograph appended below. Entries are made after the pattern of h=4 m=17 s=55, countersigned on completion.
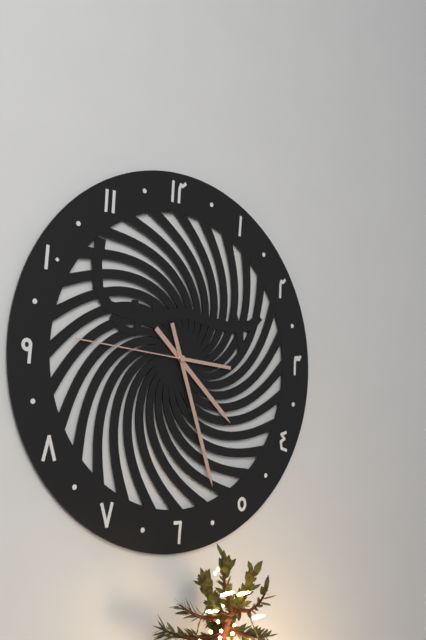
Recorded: h=4 m=27 s=46
